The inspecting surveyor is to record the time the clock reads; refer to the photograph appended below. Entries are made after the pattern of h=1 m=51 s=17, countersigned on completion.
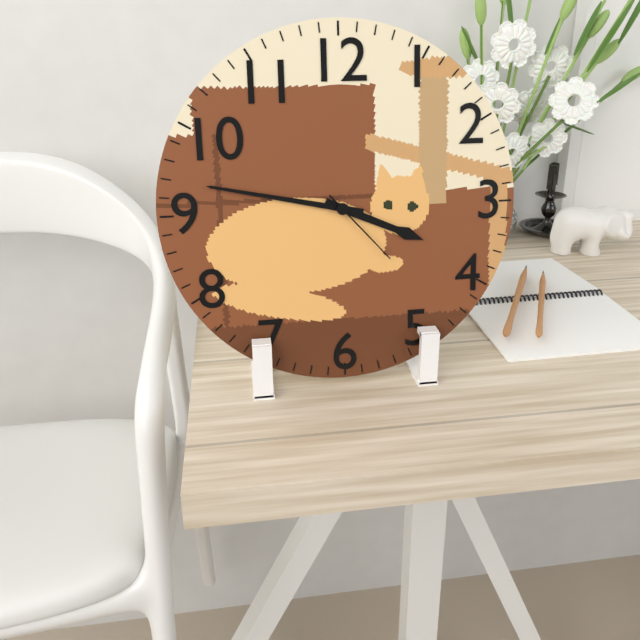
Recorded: h=3 m=47 s=23
